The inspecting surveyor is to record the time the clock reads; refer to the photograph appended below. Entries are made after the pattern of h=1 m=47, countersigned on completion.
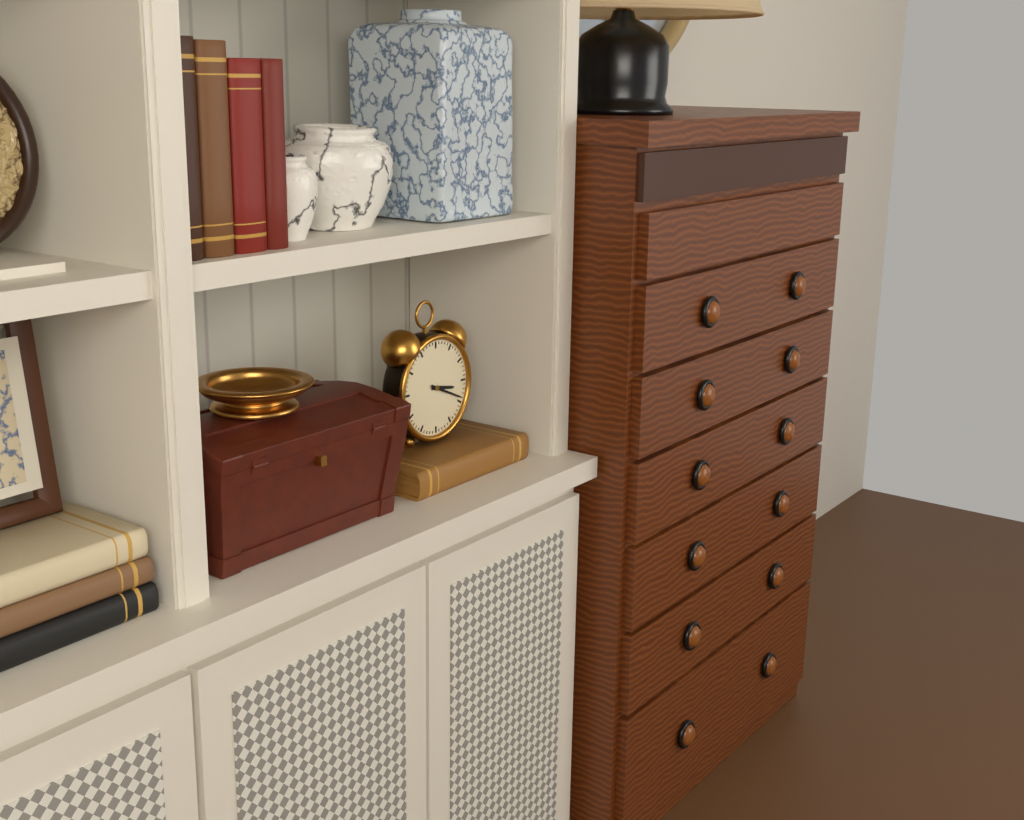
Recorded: h=3 m=19
